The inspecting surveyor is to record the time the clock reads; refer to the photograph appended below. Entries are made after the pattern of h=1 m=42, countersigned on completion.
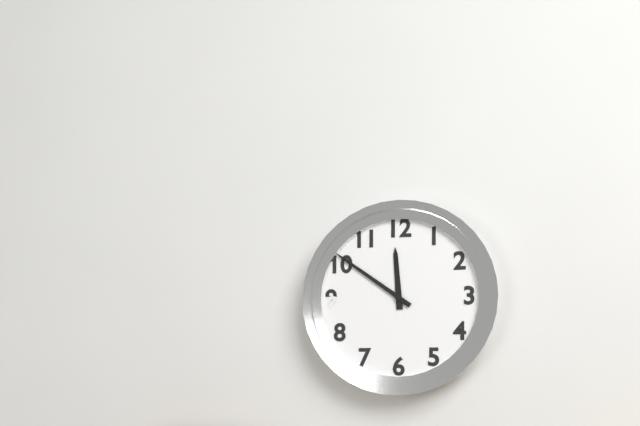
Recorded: h=11 m=51
